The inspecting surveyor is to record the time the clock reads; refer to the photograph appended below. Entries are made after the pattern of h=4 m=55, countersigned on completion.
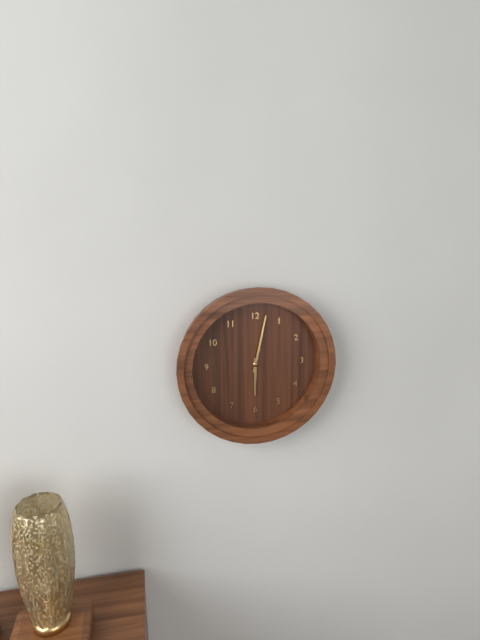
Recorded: h=6 m=2
